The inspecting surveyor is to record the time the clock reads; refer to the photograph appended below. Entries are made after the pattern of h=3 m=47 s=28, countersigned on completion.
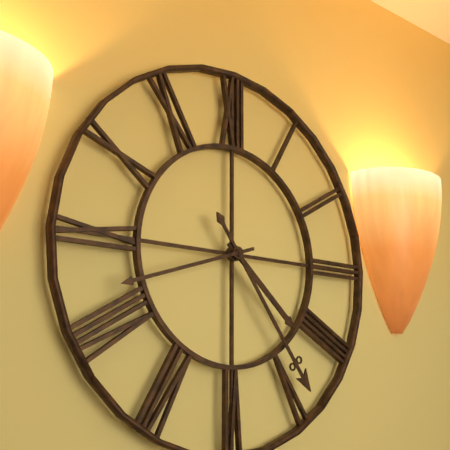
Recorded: h=4 m=24 s=42
